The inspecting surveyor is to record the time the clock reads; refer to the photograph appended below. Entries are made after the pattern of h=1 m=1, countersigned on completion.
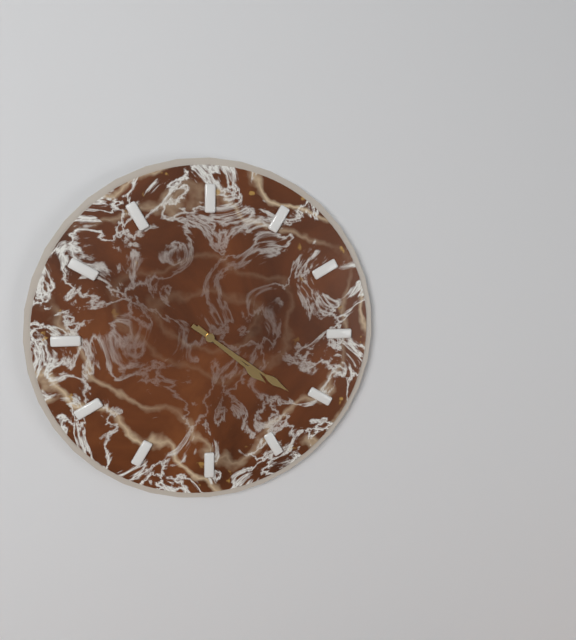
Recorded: h=4 m=21
